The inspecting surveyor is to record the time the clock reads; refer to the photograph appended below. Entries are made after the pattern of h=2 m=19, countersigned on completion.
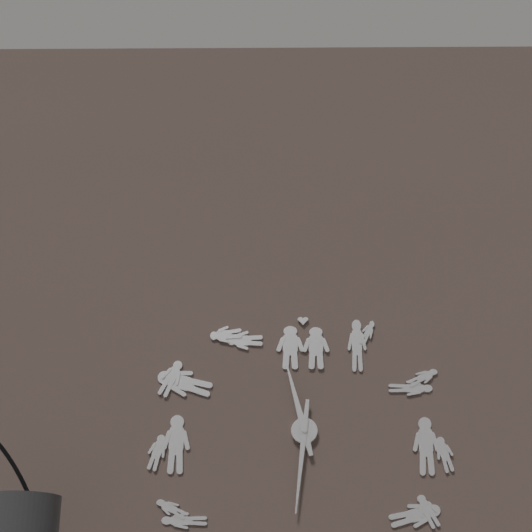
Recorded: h=11 m=31
